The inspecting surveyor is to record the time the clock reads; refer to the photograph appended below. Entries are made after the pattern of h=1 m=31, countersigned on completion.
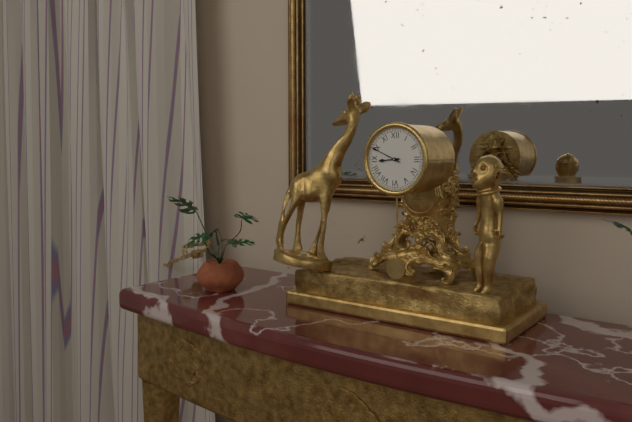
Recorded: h=8 m=49
